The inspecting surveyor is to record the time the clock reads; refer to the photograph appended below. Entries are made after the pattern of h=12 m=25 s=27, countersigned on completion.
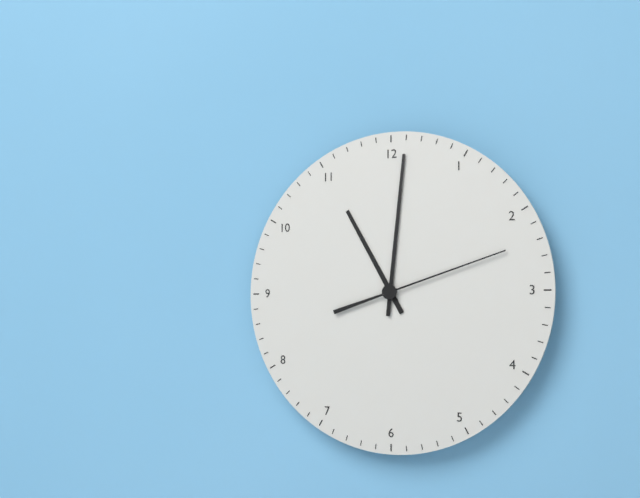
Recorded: h=11 m=1 s=12
